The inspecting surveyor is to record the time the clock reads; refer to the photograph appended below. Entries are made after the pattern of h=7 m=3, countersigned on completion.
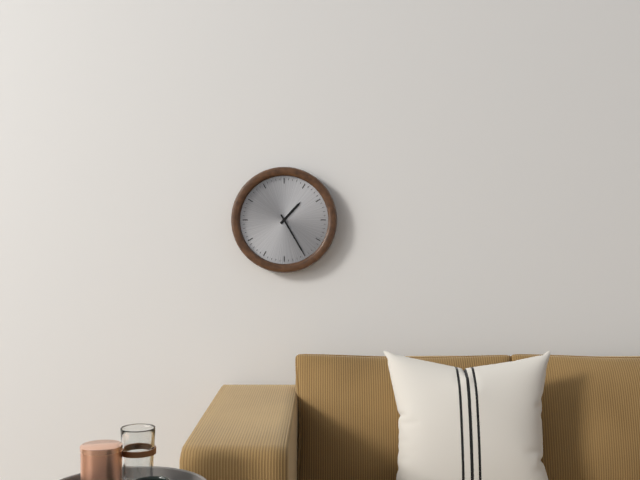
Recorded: h=1 m=25
